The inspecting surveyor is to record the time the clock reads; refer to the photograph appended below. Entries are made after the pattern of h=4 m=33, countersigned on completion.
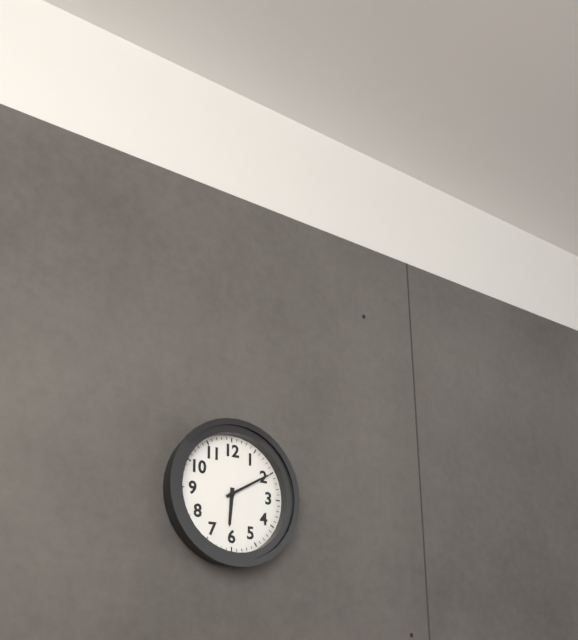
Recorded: h=6 m=10
